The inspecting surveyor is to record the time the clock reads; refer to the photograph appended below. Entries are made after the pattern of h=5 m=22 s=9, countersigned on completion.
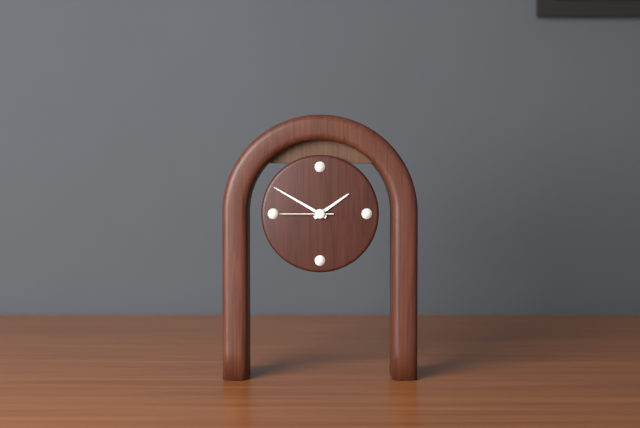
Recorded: h=1 m=50 s=45
